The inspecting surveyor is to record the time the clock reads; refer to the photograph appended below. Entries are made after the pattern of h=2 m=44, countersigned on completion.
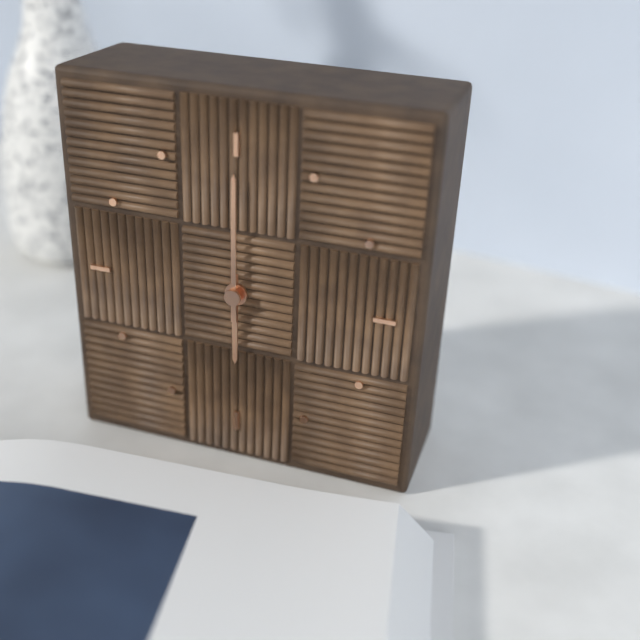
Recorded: h=6 m=0
